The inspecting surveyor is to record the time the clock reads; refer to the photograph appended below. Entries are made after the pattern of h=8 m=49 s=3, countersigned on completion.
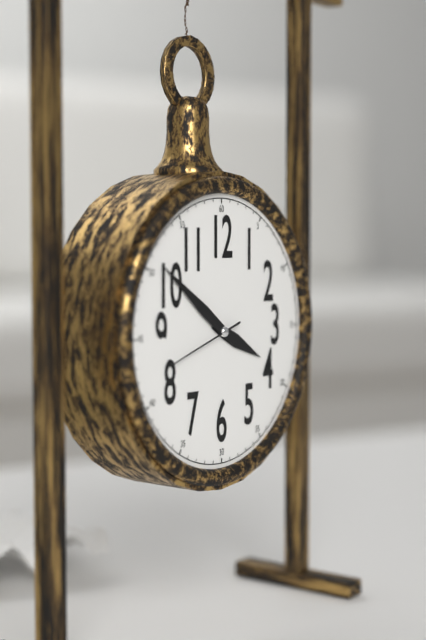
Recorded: h=3 m=51 s=42
